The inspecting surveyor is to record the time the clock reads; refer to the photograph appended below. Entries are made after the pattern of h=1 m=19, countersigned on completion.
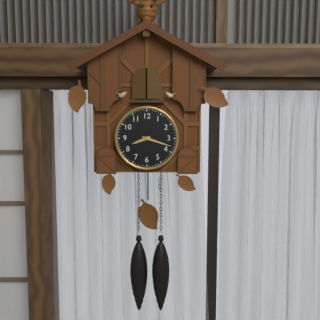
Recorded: h=8 m=18
